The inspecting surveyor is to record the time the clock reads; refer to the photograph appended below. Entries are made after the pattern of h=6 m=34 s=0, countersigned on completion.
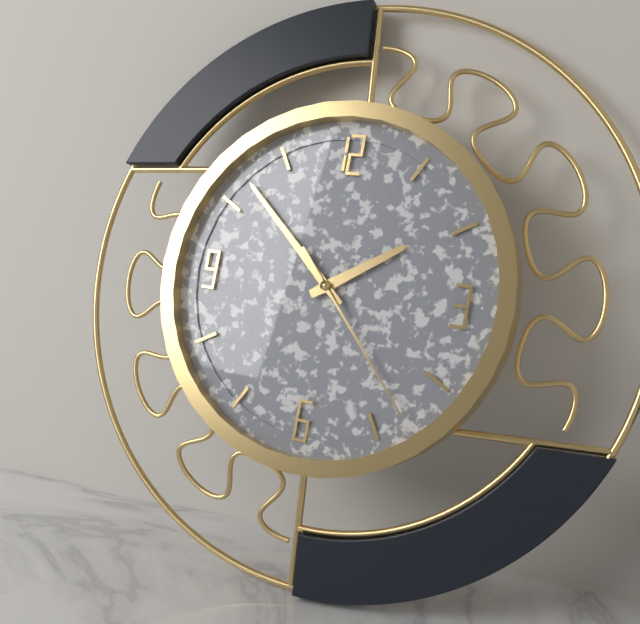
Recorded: h=1 m=52 s=23
